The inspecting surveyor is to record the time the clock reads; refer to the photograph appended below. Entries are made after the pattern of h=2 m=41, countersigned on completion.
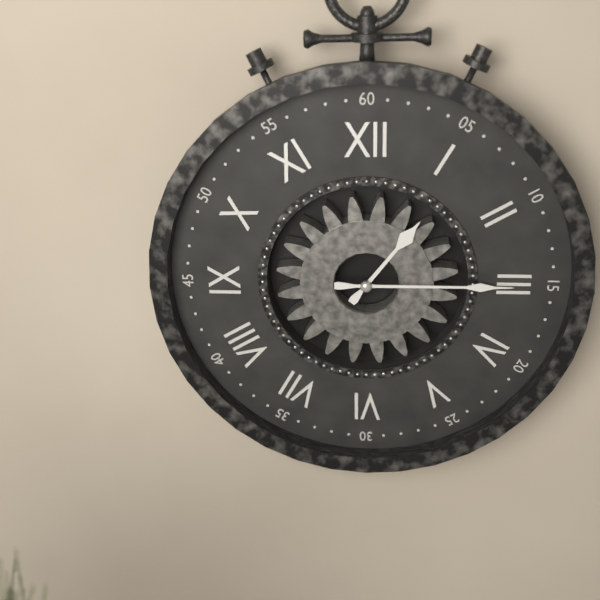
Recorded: h=1 m=15
